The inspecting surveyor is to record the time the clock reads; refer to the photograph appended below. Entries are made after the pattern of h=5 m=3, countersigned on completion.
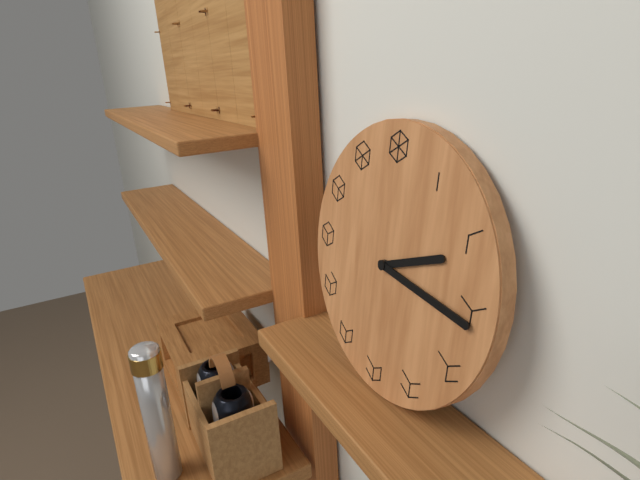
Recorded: h=2 m=16
